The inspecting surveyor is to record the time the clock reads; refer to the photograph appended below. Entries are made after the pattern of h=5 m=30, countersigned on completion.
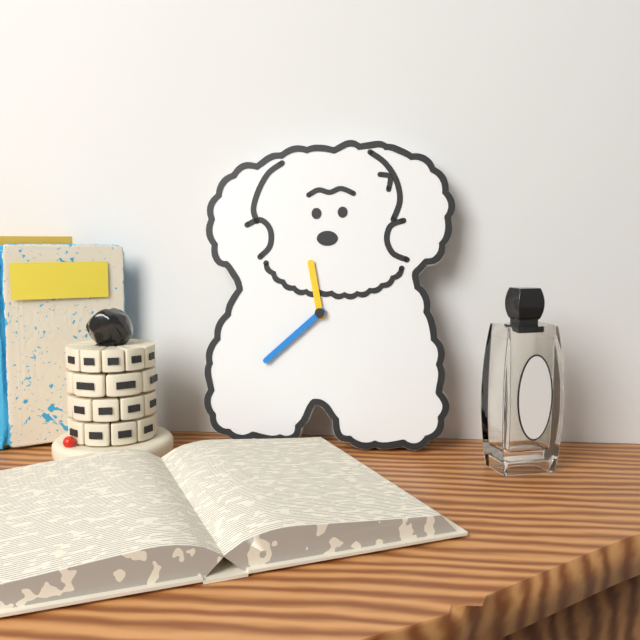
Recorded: h=11 m=38
